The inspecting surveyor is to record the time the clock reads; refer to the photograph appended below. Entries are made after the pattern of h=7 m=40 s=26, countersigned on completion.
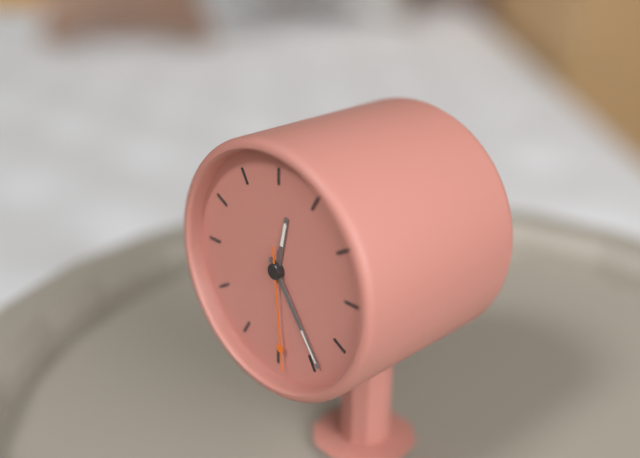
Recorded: h=12 m=24 s=29
